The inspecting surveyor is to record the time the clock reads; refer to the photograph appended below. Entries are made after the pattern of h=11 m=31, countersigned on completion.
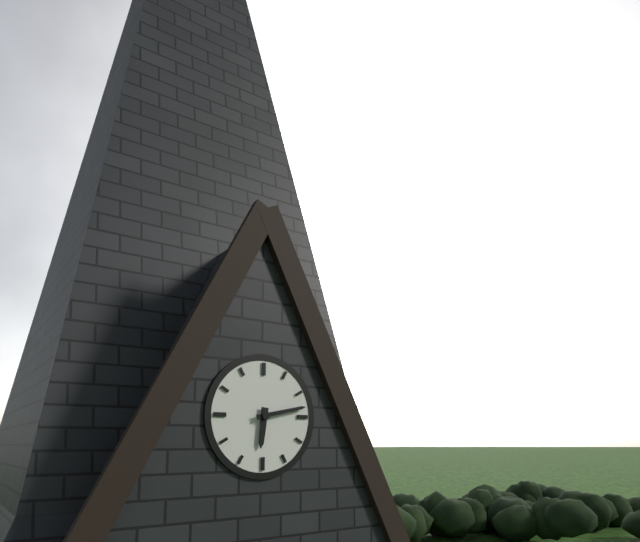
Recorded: h=6 m=13
